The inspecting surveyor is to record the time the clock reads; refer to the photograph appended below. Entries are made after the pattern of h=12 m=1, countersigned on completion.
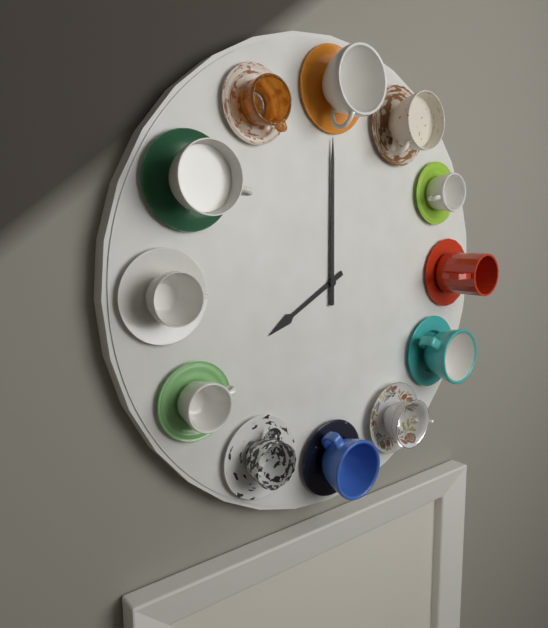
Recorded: h=8 m=0
